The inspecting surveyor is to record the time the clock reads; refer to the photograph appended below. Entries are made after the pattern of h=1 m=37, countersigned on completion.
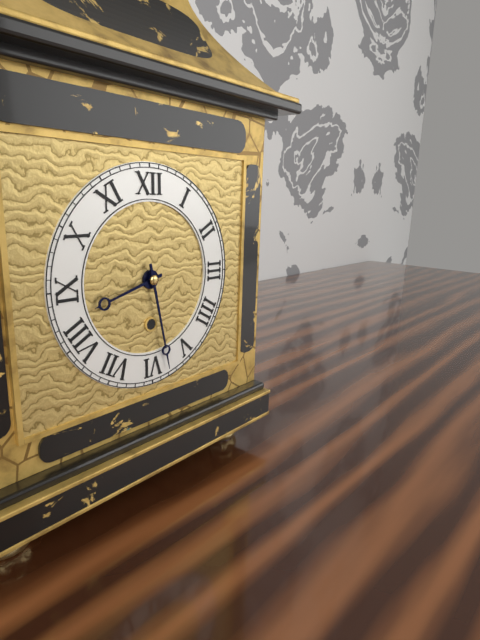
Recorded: h=8 m=28
